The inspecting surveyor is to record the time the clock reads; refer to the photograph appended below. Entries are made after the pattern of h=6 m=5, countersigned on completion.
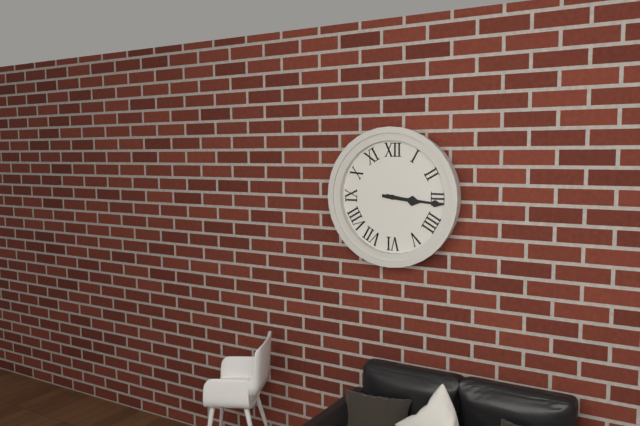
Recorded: h=3 m=16
